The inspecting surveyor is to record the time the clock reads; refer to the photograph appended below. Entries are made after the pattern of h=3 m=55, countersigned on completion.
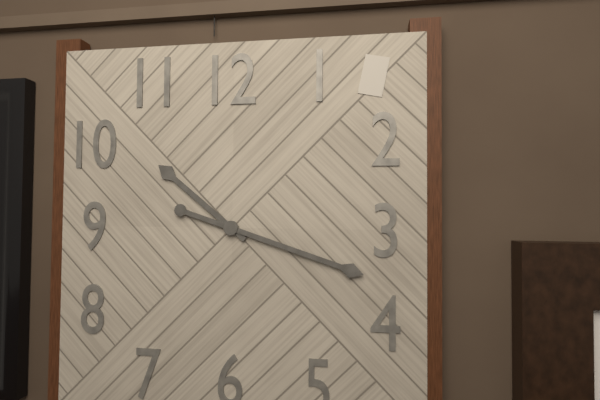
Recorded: h=10 m=18
